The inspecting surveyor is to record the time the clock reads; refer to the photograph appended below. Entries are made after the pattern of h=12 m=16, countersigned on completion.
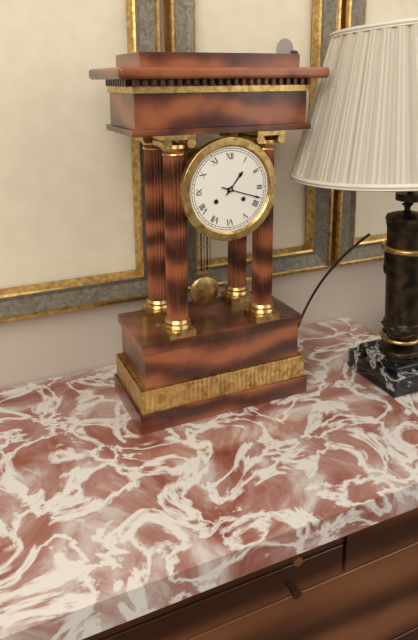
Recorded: h=1 m=18
